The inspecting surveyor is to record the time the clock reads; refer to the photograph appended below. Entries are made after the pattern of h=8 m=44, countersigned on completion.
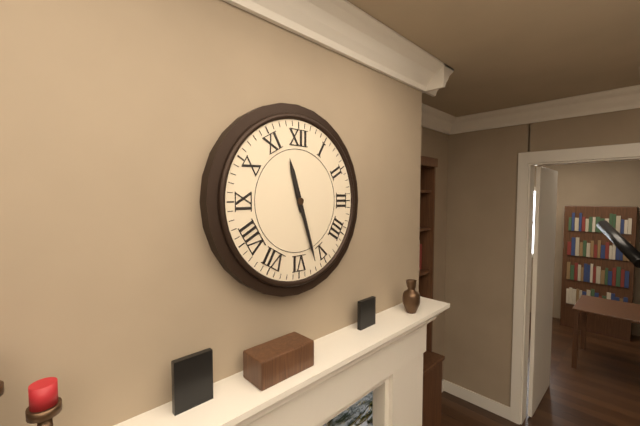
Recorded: h=11 m=27
